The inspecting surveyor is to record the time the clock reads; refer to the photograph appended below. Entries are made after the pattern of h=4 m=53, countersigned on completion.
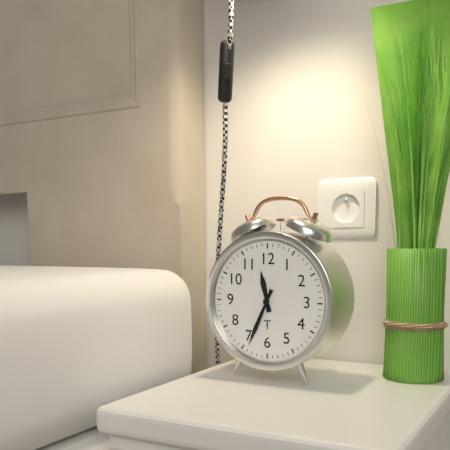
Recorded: h=11 m=34
